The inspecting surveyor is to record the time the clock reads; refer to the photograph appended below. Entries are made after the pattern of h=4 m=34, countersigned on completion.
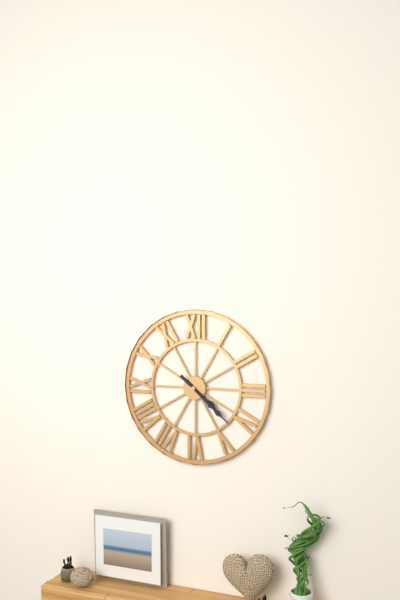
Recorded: h=4 m=22
